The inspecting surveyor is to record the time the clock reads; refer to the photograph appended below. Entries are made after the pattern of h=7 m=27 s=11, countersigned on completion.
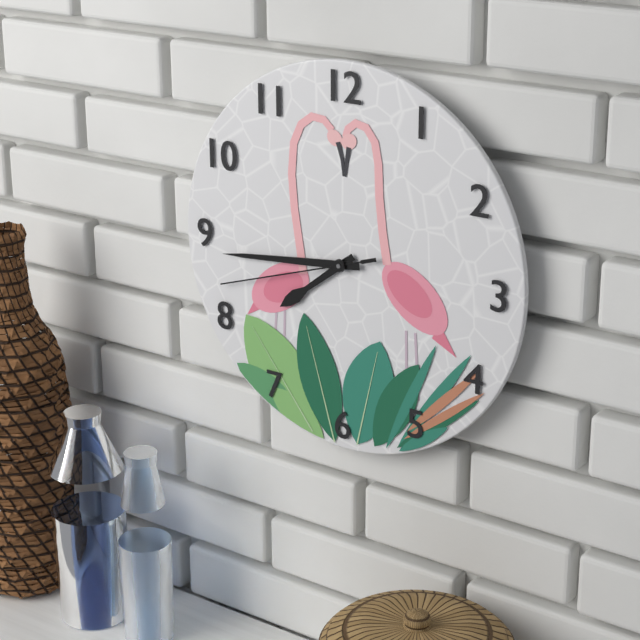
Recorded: h=7 m=44 s=42
